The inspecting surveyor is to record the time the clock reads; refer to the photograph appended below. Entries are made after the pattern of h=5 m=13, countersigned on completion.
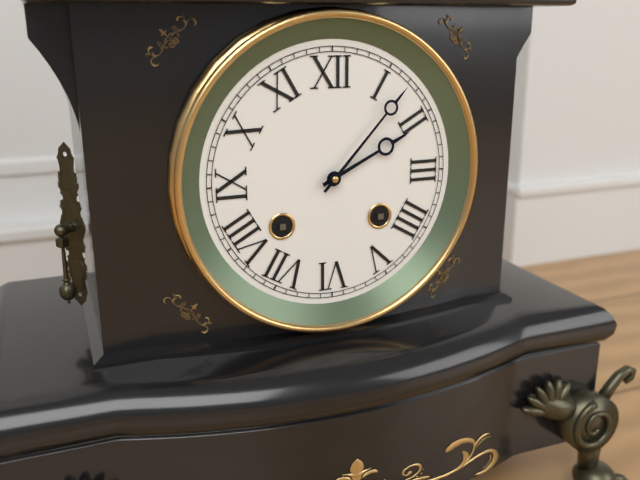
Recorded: h=2 m=7
